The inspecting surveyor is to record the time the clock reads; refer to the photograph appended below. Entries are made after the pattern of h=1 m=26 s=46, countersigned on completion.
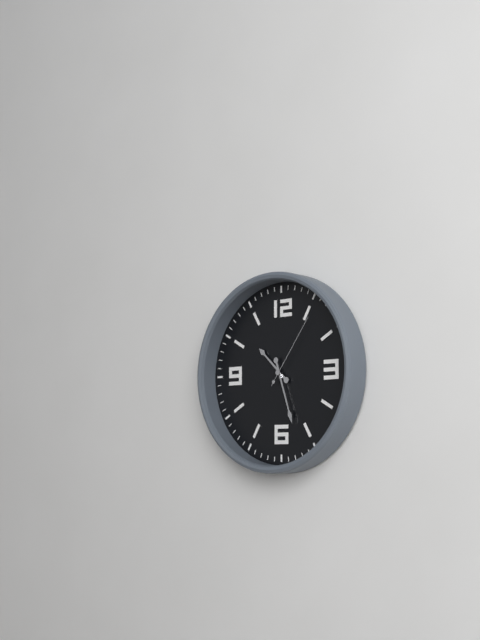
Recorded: h=10 m=27 s=6
